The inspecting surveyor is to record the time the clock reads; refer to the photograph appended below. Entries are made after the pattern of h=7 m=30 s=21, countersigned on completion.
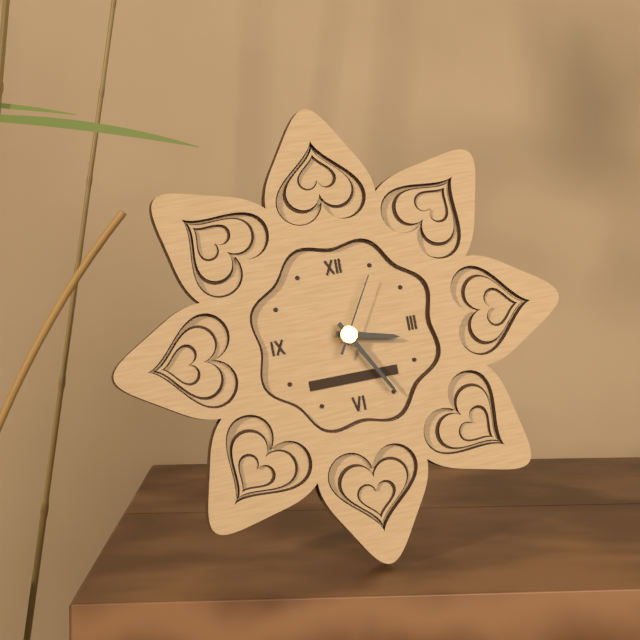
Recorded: h=3 m=25 s=5
